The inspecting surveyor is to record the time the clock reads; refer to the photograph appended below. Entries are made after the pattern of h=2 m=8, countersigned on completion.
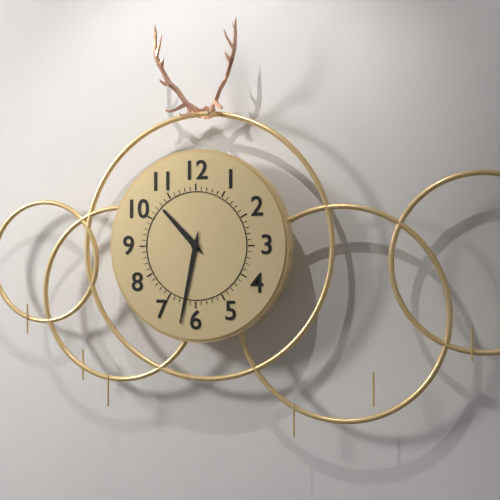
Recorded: h=10 m=32
